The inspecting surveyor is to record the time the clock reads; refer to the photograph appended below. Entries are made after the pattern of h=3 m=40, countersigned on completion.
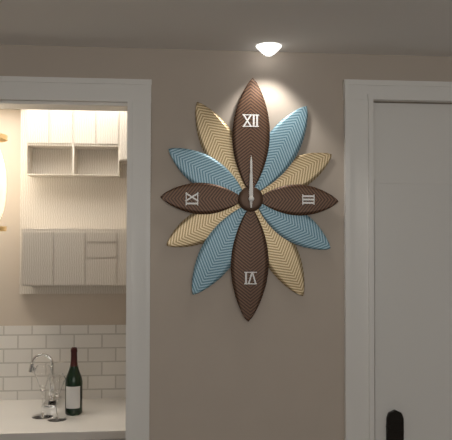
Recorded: h=12 m=0
